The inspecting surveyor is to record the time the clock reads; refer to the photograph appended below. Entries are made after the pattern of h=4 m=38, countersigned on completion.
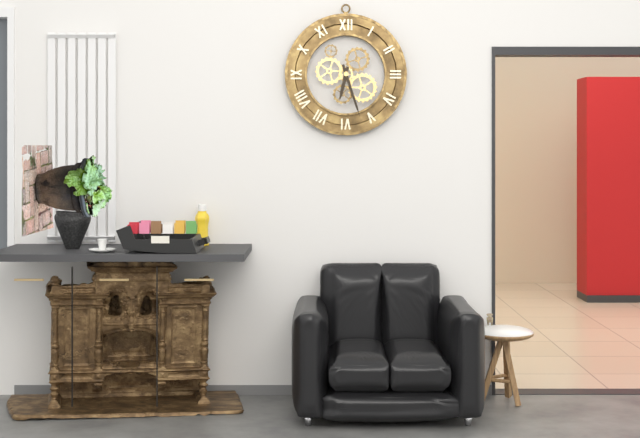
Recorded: h=6 m=27
